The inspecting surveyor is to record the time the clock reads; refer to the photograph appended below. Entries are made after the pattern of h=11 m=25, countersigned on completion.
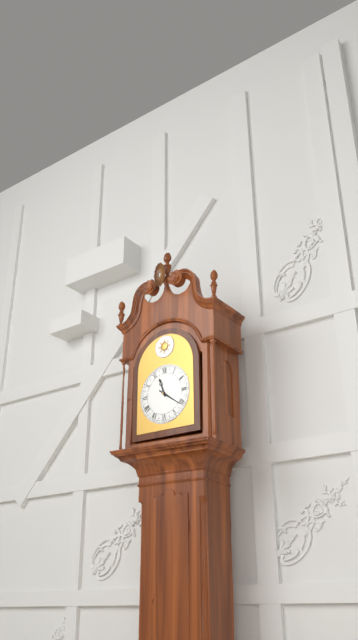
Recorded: h=11 m=21
